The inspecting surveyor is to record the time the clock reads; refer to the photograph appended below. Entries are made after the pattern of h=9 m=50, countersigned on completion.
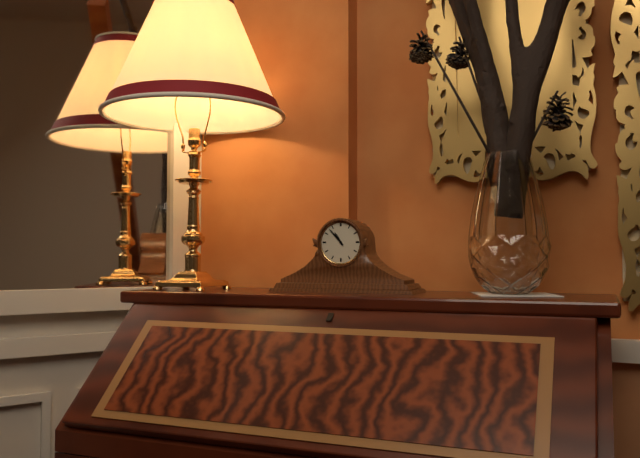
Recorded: h=10 m=53
